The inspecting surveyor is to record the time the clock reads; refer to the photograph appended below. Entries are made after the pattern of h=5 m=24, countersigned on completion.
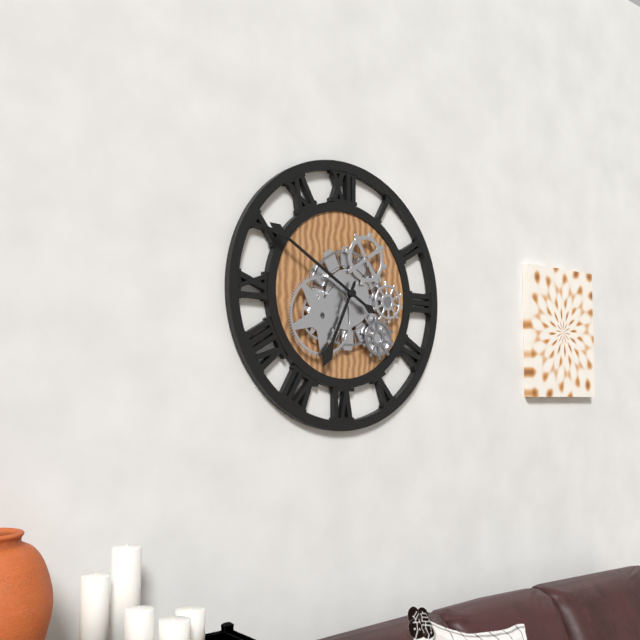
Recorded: h=6 m=50
